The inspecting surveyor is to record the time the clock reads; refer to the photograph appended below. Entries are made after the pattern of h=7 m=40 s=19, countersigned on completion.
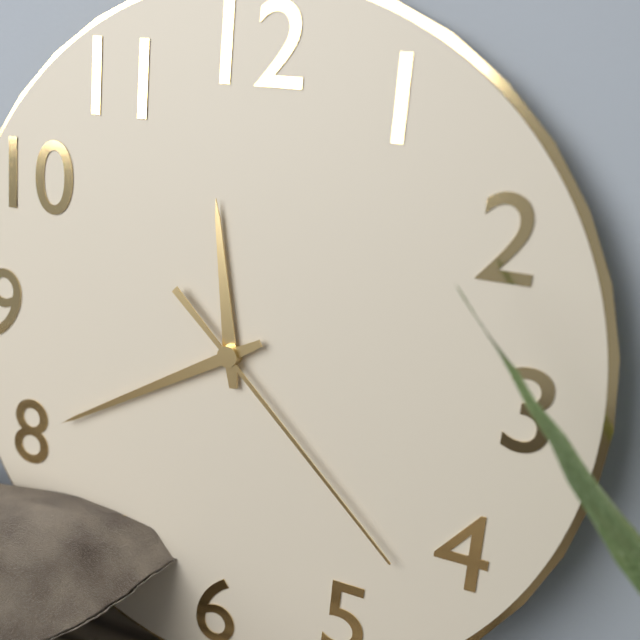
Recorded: h=11 m=40 s=22
